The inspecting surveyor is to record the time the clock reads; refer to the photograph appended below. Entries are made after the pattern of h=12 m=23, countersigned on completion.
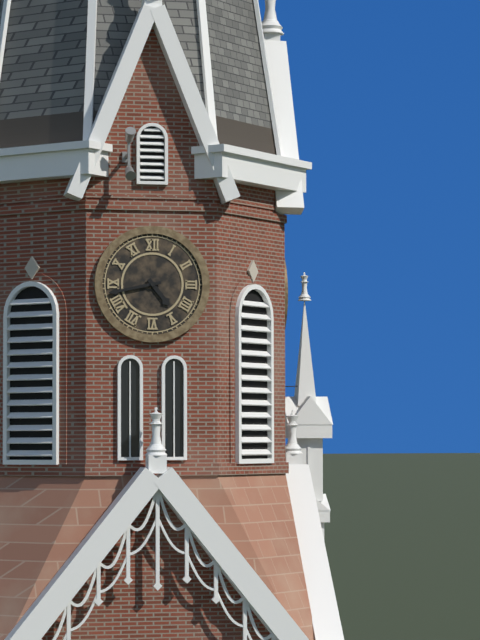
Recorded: h=4 m=43
